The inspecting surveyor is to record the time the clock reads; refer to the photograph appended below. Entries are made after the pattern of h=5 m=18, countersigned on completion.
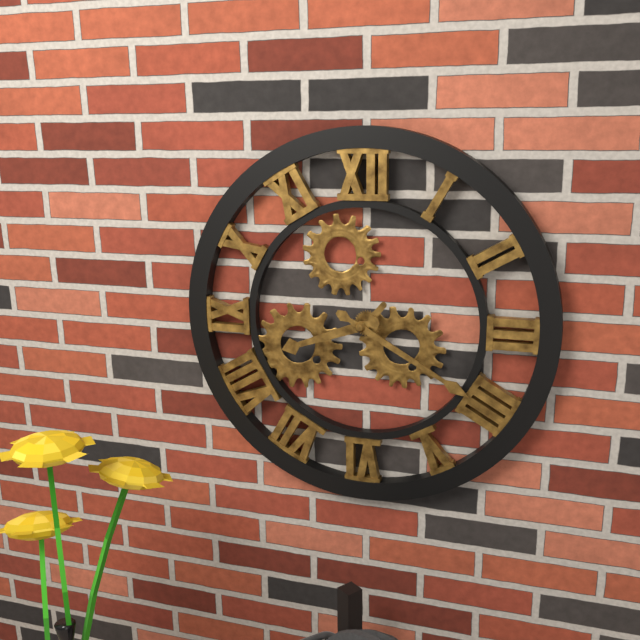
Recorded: h=8 m=20
